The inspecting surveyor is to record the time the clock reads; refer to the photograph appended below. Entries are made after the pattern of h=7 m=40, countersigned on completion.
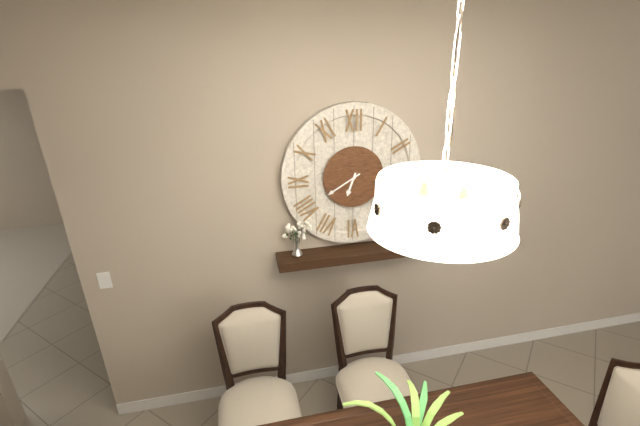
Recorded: h=6 m=40
